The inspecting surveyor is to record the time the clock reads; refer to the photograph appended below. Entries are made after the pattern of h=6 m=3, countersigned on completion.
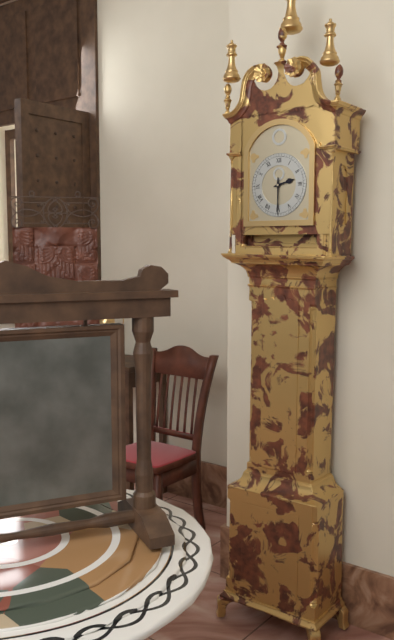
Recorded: h=2 m=30
